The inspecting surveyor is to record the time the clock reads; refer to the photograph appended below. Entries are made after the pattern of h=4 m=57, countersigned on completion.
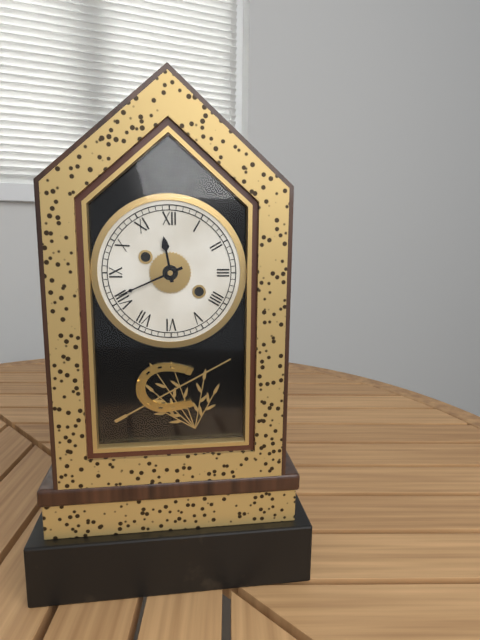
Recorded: h=11 m=41
